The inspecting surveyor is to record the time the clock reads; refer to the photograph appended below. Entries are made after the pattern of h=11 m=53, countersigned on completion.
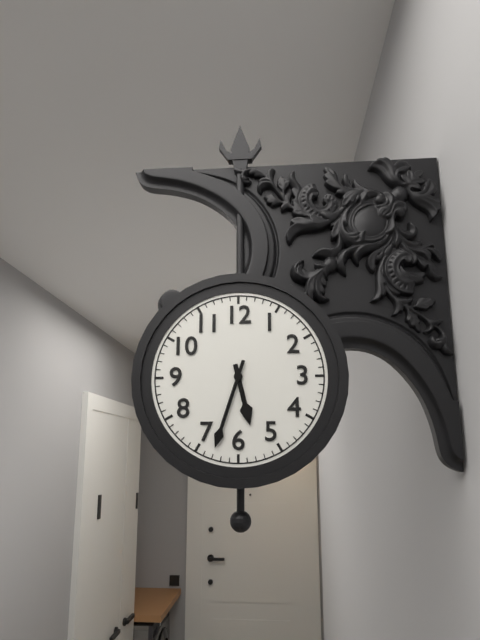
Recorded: h=5 m=33
